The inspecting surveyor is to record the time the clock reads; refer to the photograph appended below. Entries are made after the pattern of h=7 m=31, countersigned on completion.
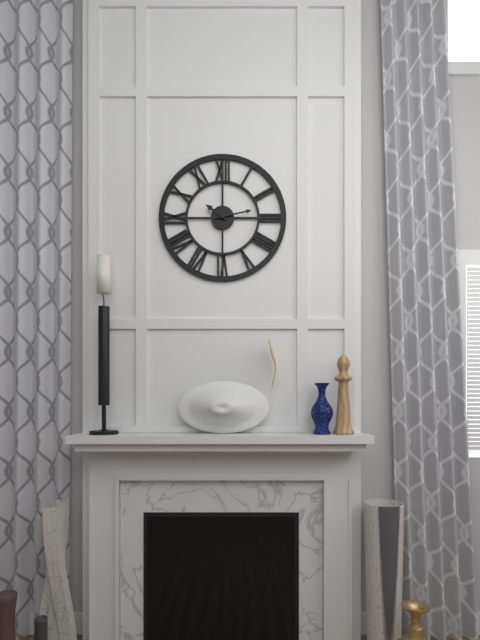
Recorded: h=10 m=13
